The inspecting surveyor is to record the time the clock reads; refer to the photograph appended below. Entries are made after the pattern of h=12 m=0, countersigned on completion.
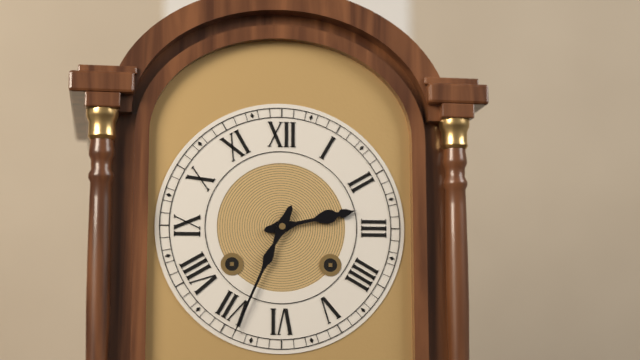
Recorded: h=2 m=34
